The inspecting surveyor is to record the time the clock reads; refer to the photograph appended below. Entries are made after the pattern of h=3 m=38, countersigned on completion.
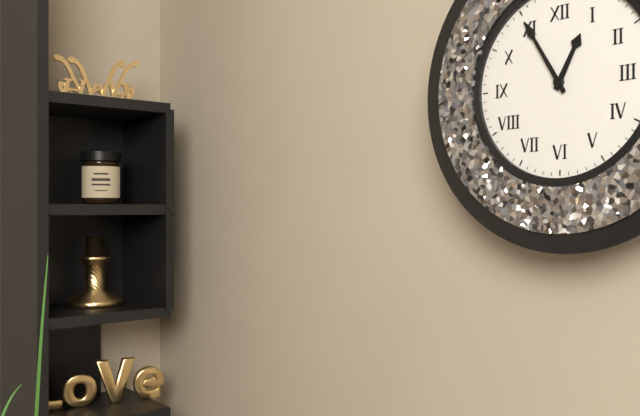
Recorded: h=12 m=55
